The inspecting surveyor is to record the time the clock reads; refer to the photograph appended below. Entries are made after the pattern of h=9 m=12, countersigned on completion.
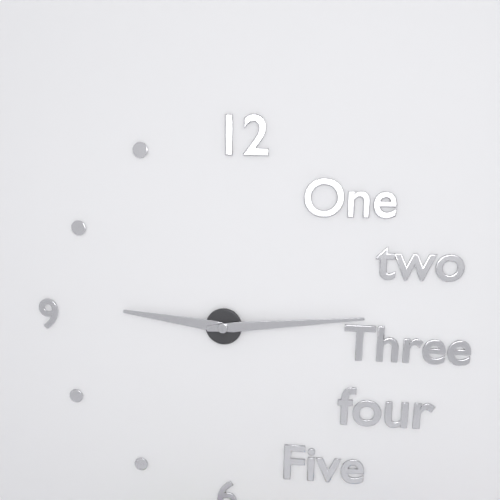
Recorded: h=9 m=14
